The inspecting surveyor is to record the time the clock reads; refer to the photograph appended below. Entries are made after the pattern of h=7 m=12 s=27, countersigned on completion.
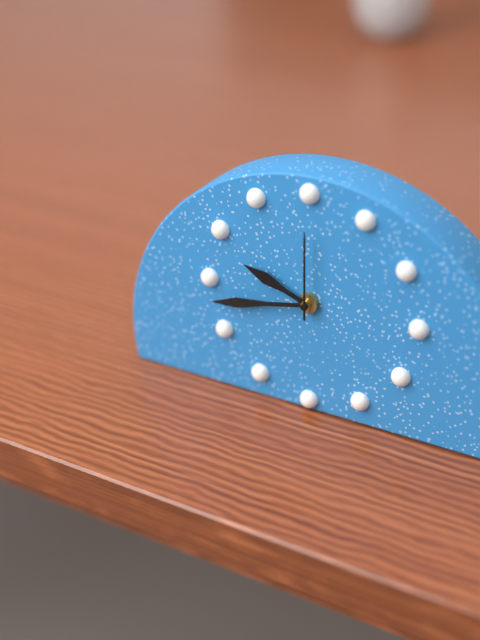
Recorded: h=9 m=43 s=0
